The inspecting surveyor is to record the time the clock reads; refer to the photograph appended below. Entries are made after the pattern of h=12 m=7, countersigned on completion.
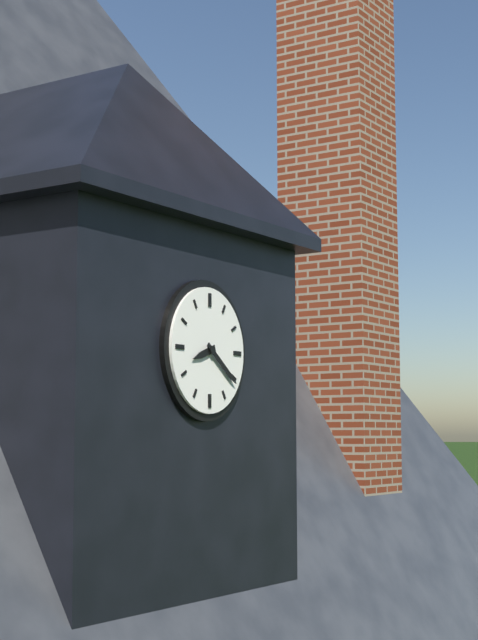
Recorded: h=8 m=21
